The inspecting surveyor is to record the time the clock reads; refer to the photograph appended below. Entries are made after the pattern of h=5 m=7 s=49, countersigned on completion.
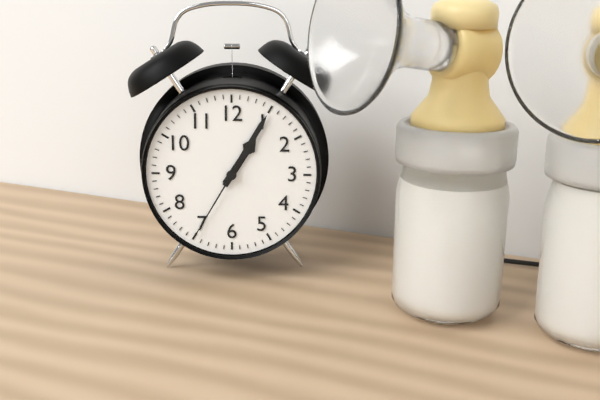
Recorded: h=1 m=5 s=35
